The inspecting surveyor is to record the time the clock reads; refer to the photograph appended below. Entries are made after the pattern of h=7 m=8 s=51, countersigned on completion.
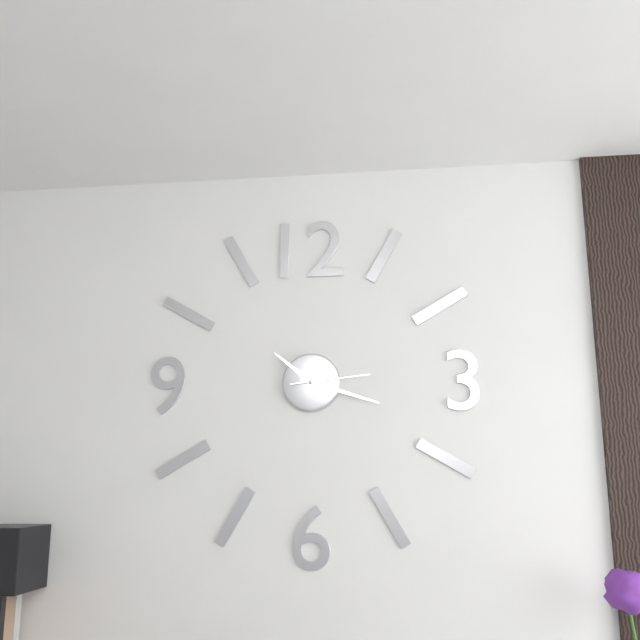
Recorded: h=10 m=18 s=14
